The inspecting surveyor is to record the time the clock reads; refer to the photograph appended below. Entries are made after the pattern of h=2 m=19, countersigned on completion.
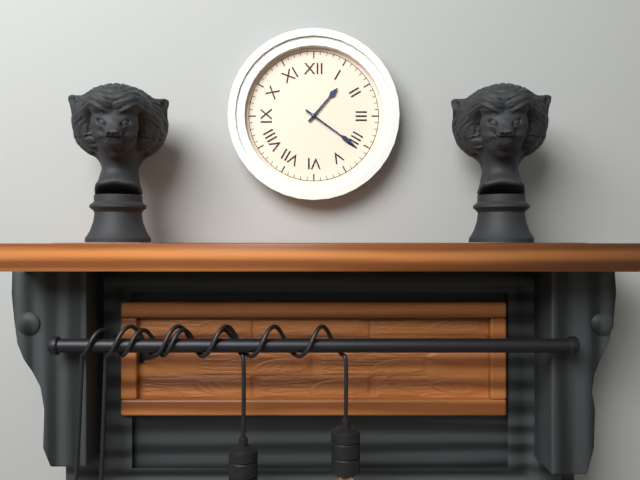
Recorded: h=1 m=21
